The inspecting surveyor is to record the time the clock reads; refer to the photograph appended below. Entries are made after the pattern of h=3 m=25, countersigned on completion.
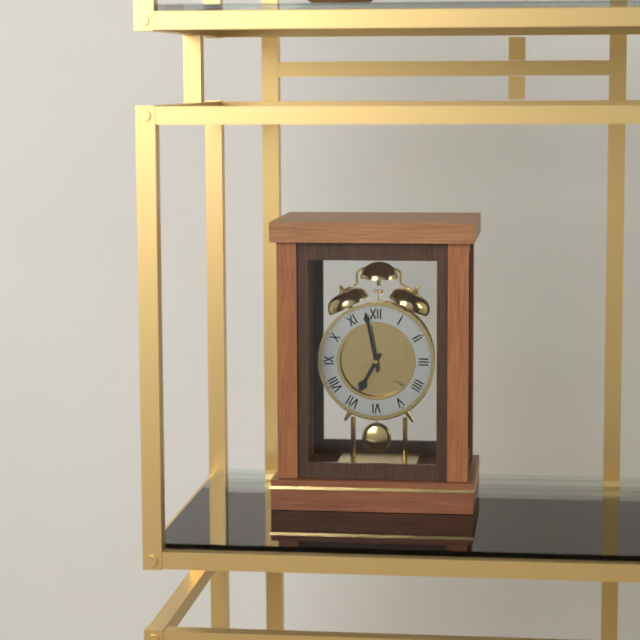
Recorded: h=6 m=58
